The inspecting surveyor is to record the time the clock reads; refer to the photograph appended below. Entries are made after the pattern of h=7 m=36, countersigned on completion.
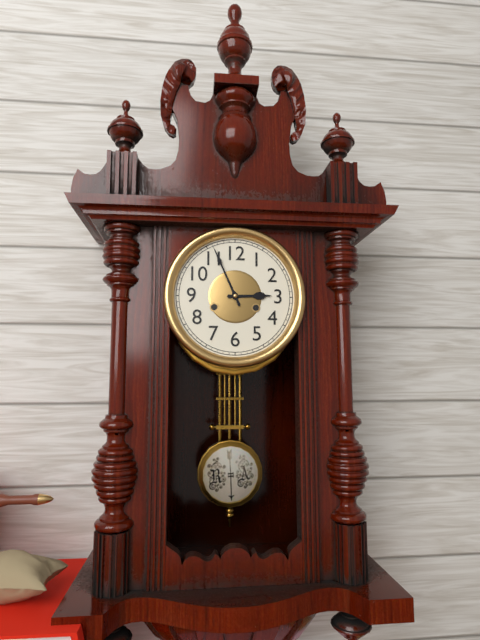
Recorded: h=2 m=56
